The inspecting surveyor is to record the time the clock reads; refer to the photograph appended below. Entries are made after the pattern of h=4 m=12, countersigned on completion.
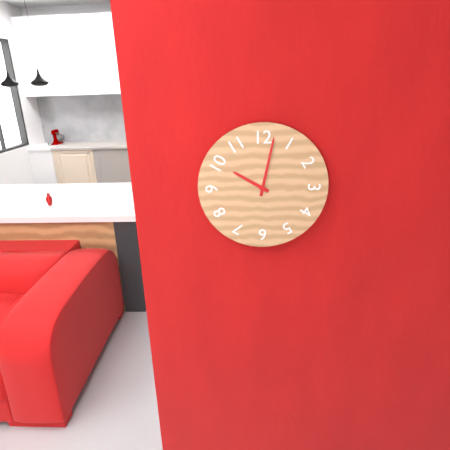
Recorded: h=10 m=2
